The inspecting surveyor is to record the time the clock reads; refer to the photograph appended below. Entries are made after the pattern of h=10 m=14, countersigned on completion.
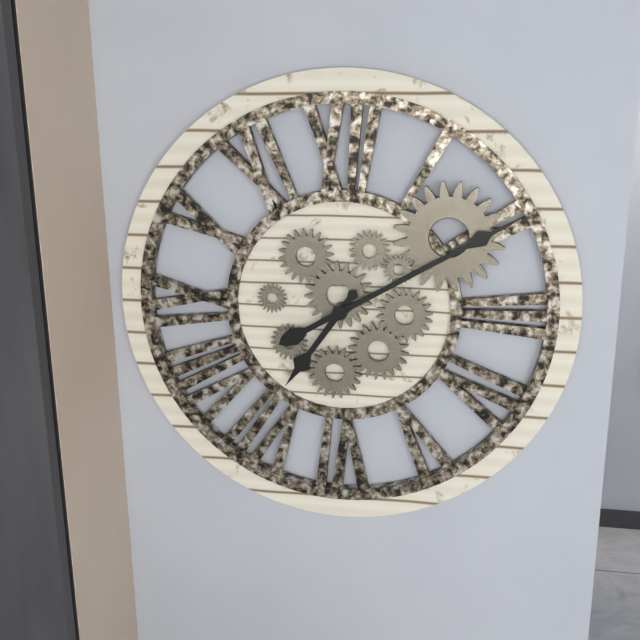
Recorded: h=7 m=10
